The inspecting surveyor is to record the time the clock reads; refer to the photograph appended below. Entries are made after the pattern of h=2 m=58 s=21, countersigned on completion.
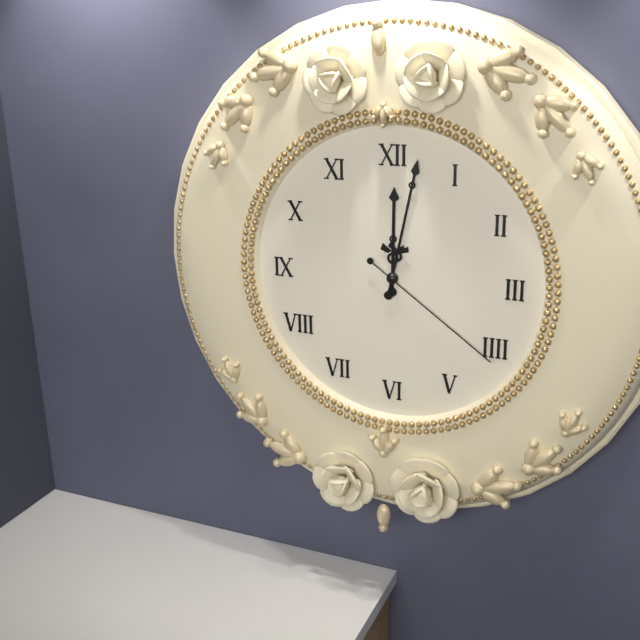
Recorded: h=12 m=2 s=21
